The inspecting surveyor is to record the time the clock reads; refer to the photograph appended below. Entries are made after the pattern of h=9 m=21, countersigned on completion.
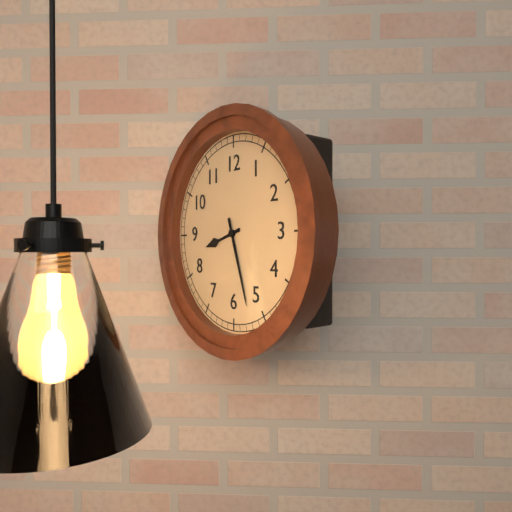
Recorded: h=8 m=27
